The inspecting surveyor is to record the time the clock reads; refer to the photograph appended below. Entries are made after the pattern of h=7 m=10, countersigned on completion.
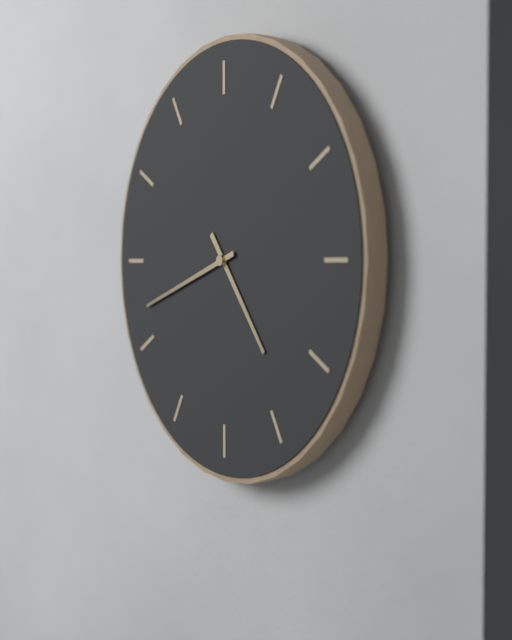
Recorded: h=4 m=42
